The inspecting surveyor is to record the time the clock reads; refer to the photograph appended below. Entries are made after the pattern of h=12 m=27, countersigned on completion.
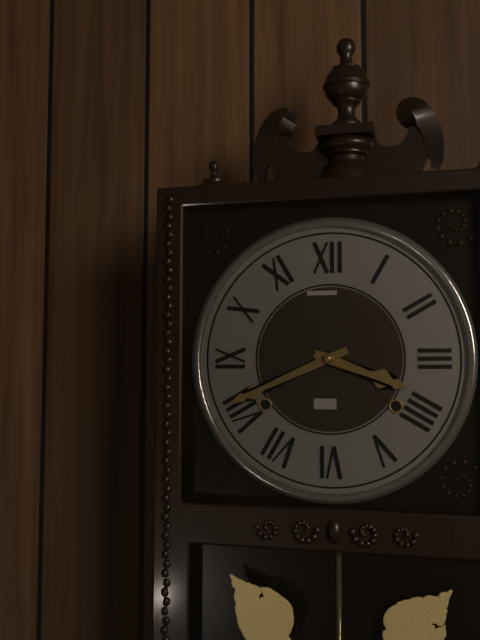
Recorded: h=3 m=41
